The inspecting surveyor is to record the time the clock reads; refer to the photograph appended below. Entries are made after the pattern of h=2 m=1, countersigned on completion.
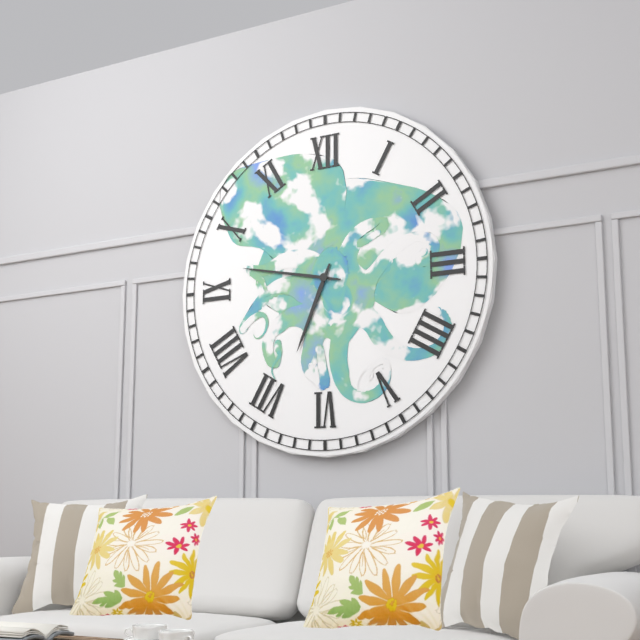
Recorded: h=6 m=47
